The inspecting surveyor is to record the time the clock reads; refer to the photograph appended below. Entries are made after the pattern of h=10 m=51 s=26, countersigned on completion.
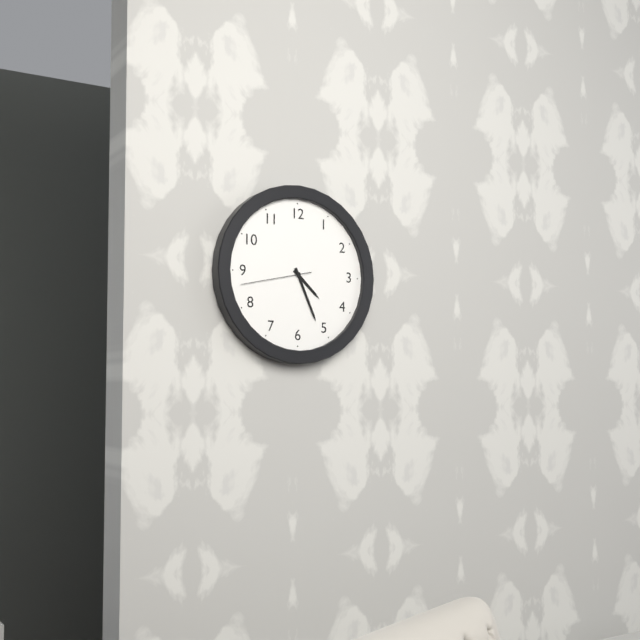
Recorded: h=4 m=26 s=43
